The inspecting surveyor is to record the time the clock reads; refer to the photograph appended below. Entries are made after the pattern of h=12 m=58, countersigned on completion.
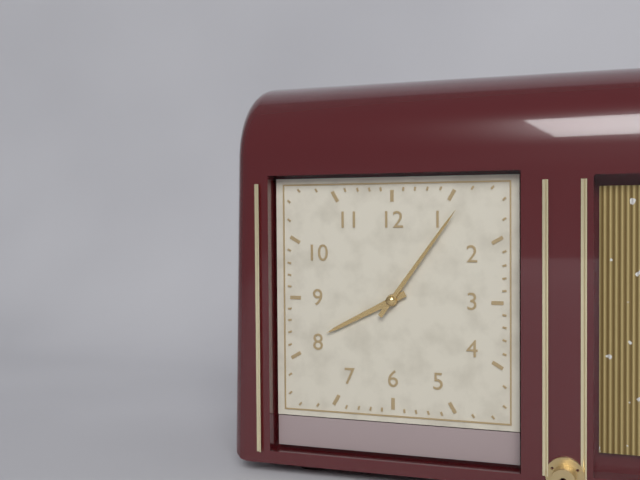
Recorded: h=8 m=6
